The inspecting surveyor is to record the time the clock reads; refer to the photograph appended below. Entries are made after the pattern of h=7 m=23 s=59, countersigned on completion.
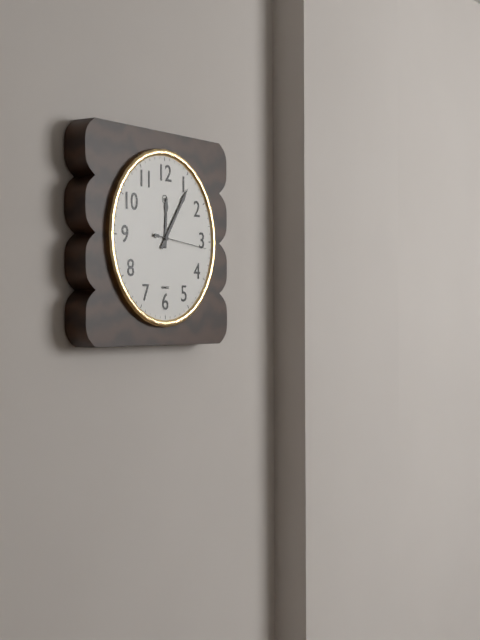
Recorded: h=12 m=6 s=16
